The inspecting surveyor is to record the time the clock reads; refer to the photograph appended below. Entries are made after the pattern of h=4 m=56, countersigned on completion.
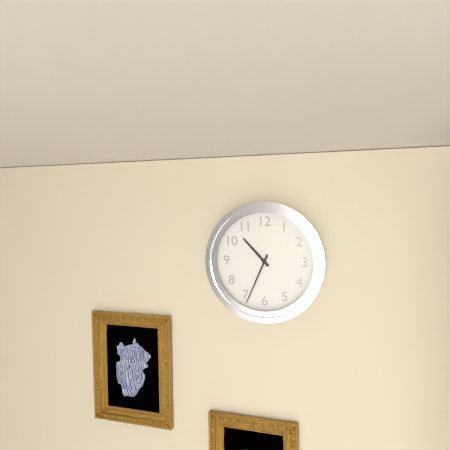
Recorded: h=10 m=34
